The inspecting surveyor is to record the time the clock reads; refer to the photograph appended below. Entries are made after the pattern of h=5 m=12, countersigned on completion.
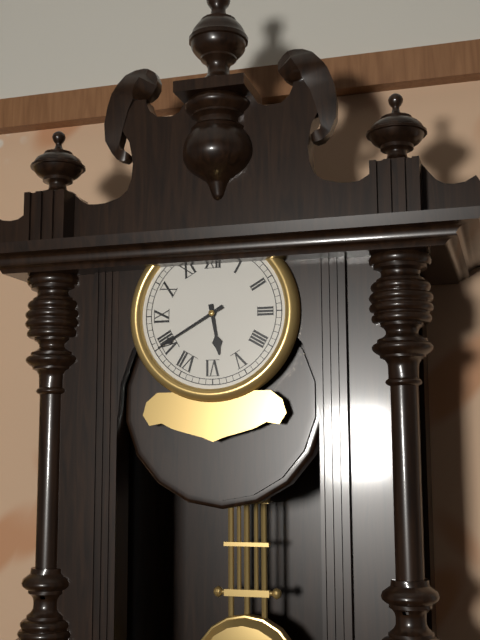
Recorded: h=5 m=40
